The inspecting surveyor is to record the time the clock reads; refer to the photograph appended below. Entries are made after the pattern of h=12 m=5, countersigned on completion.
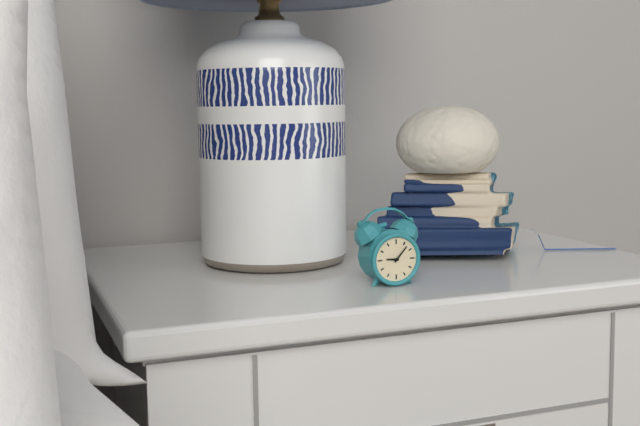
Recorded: h=9 m=7
